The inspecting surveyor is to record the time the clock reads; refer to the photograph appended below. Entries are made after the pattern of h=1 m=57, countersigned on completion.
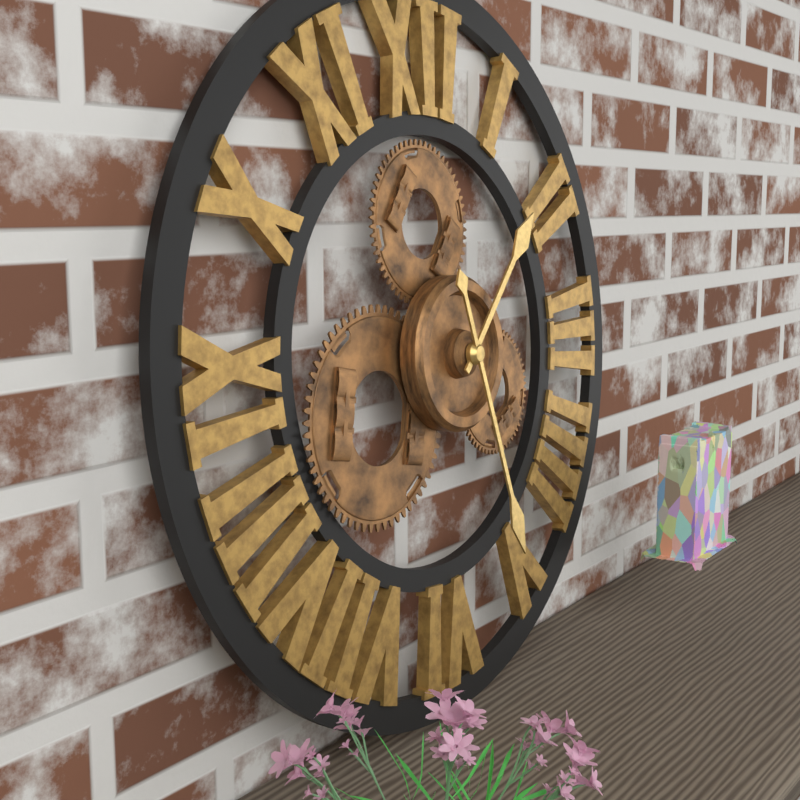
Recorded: h=1 m=27
